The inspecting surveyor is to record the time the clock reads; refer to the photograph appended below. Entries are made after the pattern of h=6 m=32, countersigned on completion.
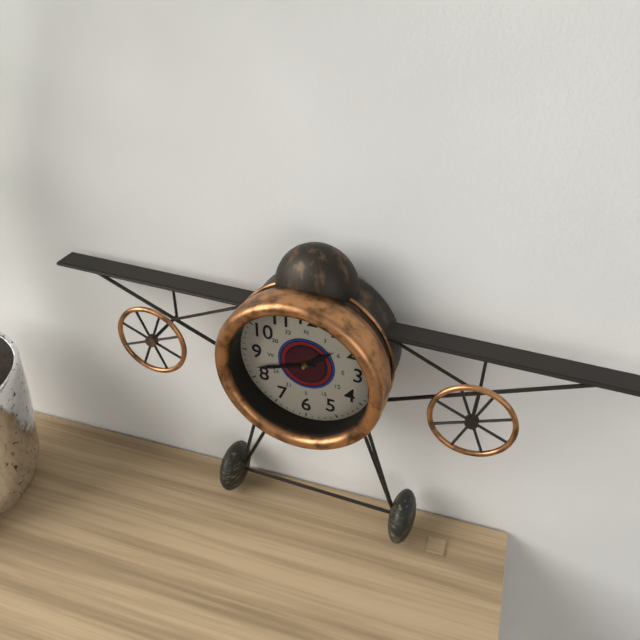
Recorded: h=1 m=42
